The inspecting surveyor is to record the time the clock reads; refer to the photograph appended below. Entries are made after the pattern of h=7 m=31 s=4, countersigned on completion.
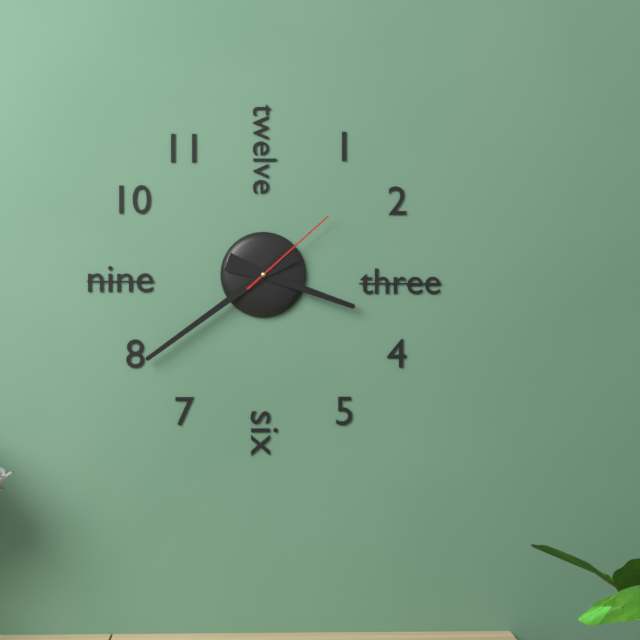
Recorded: h=3 m=39 s=8
